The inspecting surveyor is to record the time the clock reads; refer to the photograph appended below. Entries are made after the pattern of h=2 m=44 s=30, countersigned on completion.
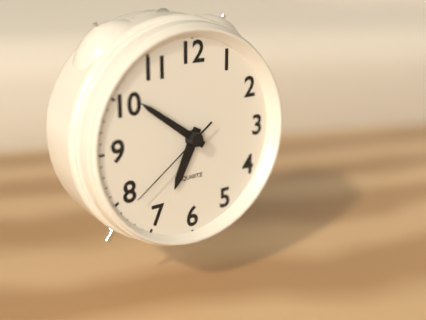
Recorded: h=6 m=51 s=39
